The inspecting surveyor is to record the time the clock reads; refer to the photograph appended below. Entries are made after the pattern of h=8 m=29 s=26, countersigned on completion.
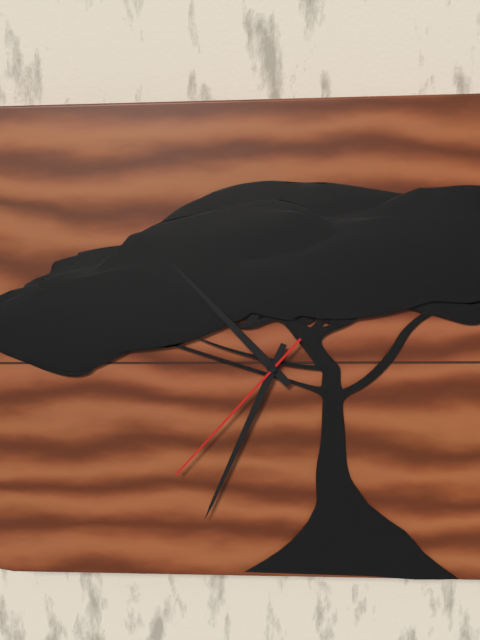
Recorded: h=10 m=34 s=37
